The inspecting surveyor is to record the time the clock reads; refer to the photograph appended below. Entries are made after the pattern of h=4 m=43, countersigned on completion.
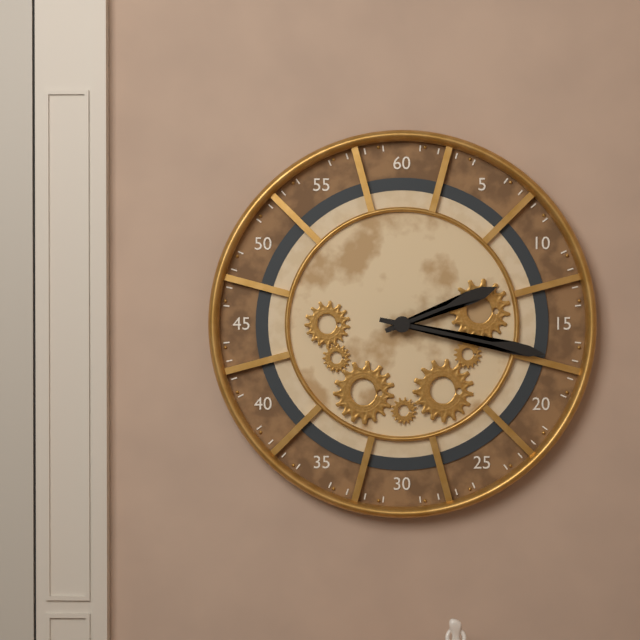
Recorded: h=2 m=17
